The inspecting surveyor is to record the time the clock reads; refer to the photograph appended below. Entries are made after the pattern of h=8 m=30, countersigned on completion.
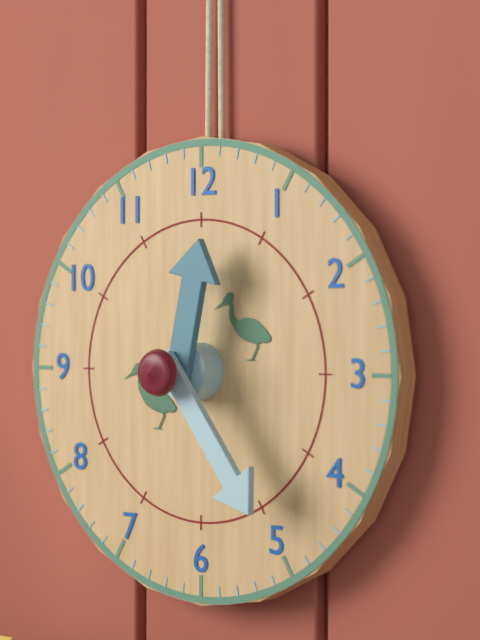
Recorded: h=12 m=24
